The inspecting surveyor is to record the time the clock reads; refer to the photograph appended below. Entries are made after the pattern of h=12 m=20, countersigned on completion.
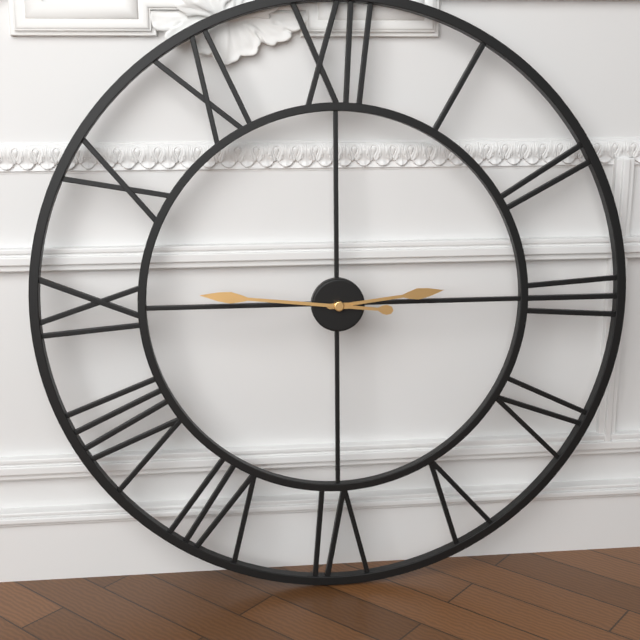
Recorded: h=2 m=46
